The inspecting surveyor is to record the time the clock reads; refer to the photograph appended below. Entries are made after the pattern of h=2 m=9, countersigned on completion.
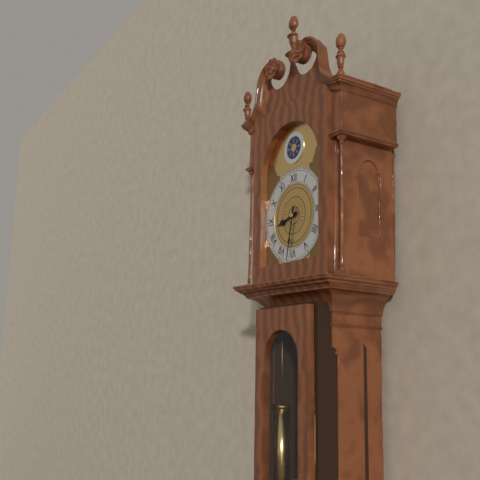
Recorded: h=8 m=32
